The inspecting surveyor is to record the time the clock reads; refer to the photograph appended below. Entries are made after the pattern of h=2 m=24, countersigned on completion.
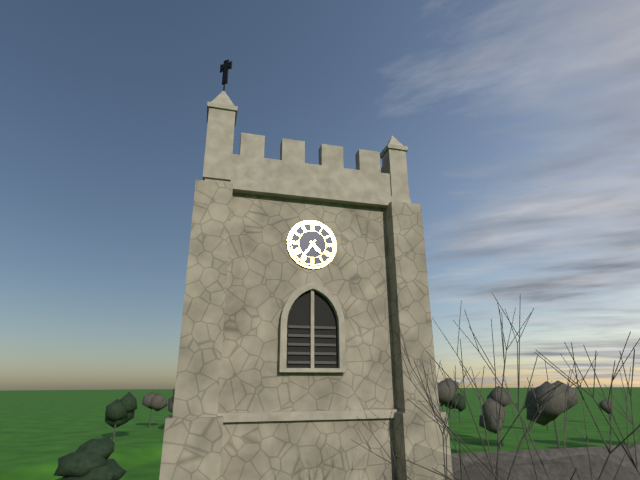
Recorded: h=4 m=36
